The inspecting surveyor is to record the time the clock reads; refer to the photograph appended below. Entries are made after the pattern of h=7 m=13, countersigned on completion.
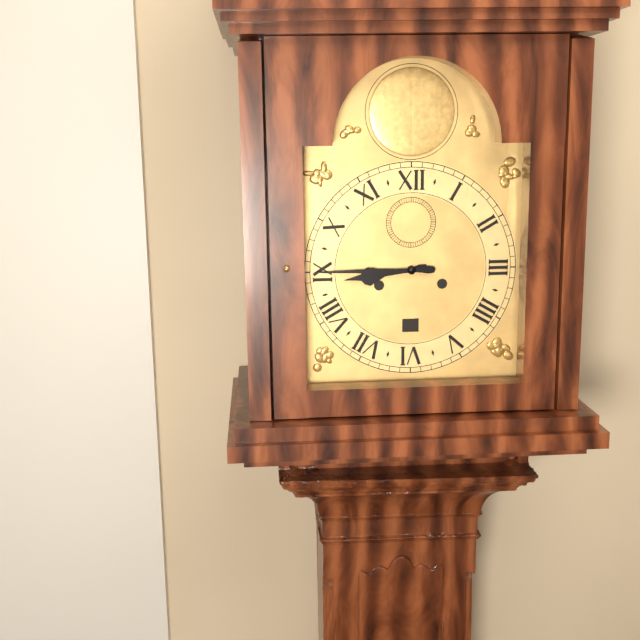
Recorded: h=8 m=45
